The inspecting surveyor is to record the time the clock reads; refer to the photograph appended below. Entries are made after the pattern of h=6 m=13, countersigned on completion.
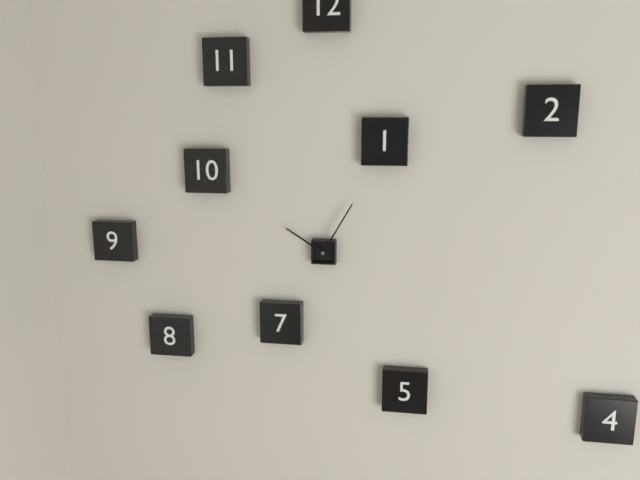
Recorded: h=10 m=5
